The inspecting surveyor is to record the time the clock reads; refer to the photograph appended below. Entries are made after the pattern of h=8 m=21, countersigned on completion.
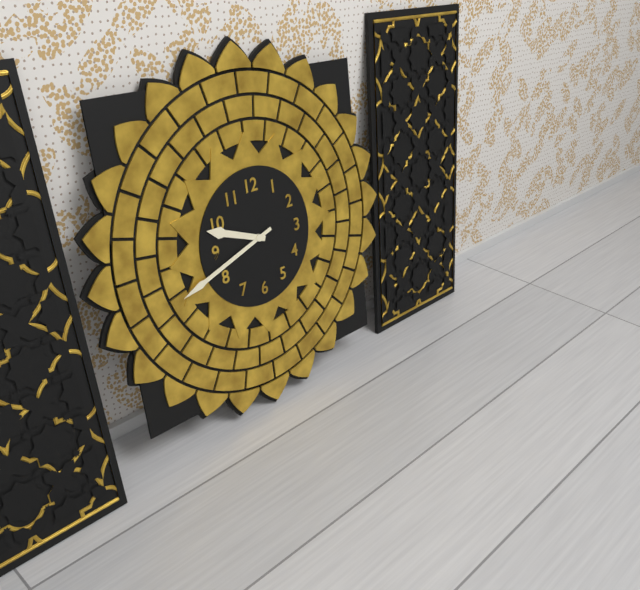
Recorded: h=9 m=42
